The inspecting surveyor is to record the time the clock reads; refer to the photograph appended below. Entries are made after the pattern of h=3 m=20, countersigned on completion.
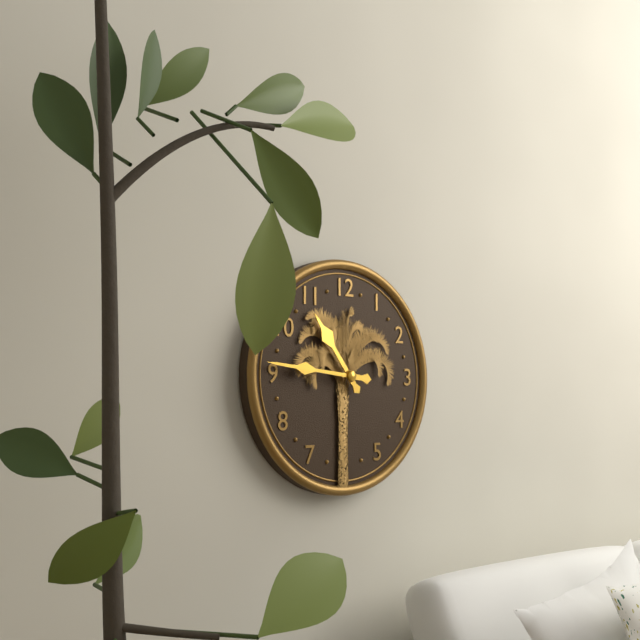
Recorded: h=10 m=46
